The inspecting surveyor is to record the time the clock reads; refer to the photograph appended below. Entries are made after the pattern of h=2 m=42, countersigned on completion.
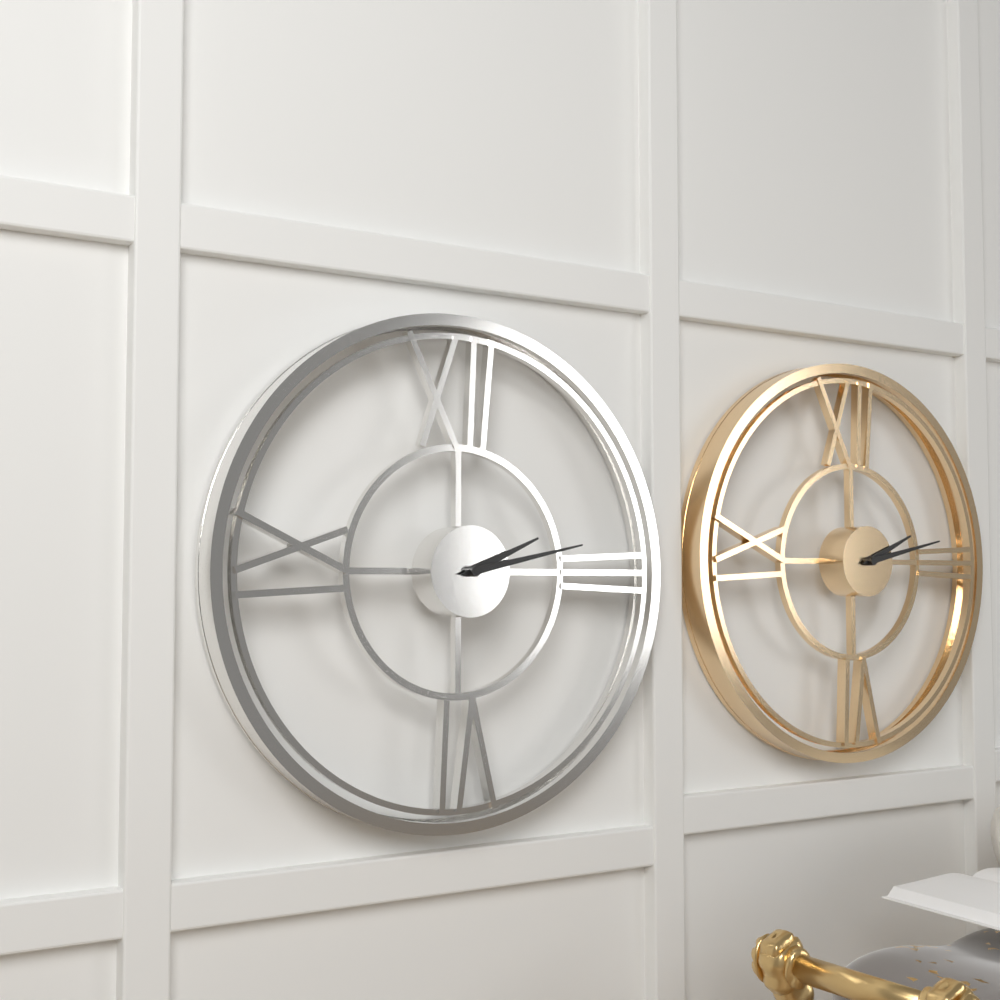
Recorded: h=2 m=13
